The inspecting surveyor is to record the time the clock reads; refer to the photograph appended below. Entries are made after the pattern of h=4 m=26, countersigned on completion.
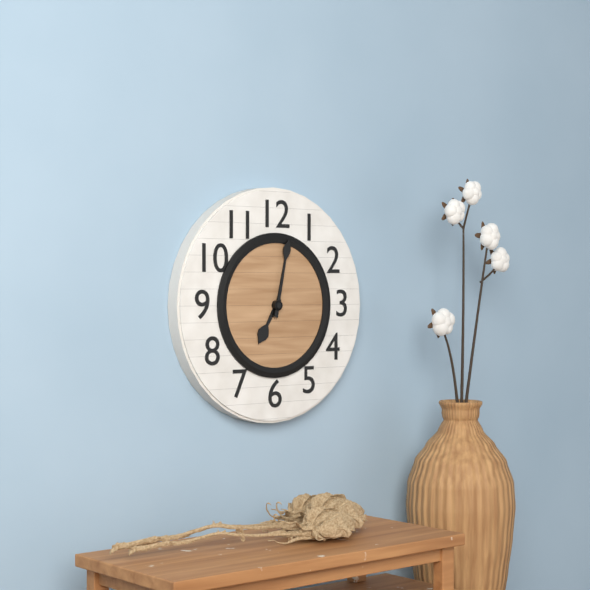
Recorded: h=7 m=2
